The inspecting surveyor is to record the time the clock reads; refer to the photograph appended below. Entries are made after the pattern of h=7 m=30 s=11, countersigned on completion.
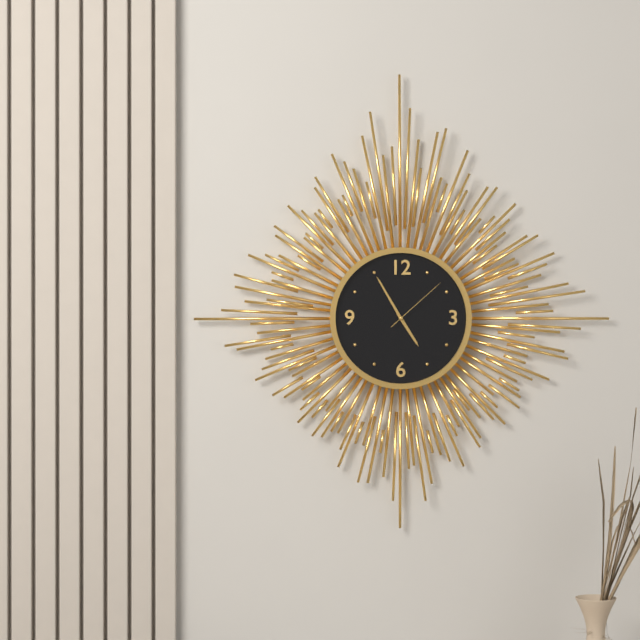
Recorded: h=4 m=55 s=8
